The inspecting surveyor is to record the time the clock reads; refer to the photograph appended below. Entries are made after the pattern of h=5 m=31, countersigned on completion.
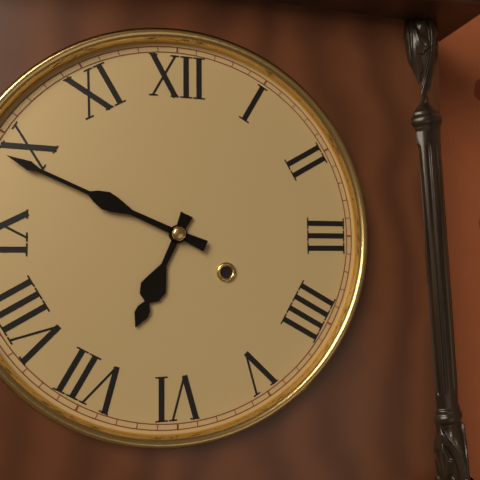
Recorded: h=6 m=49
